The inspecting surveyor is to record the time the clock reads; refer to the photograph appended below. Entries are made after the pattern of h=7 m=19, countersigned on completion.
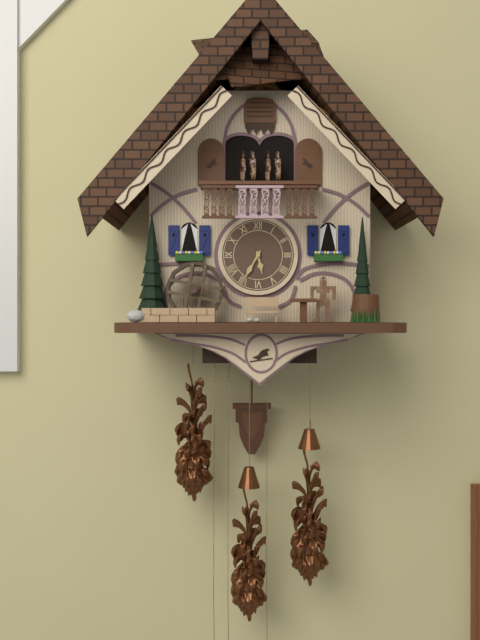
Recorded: h=5 m=35
